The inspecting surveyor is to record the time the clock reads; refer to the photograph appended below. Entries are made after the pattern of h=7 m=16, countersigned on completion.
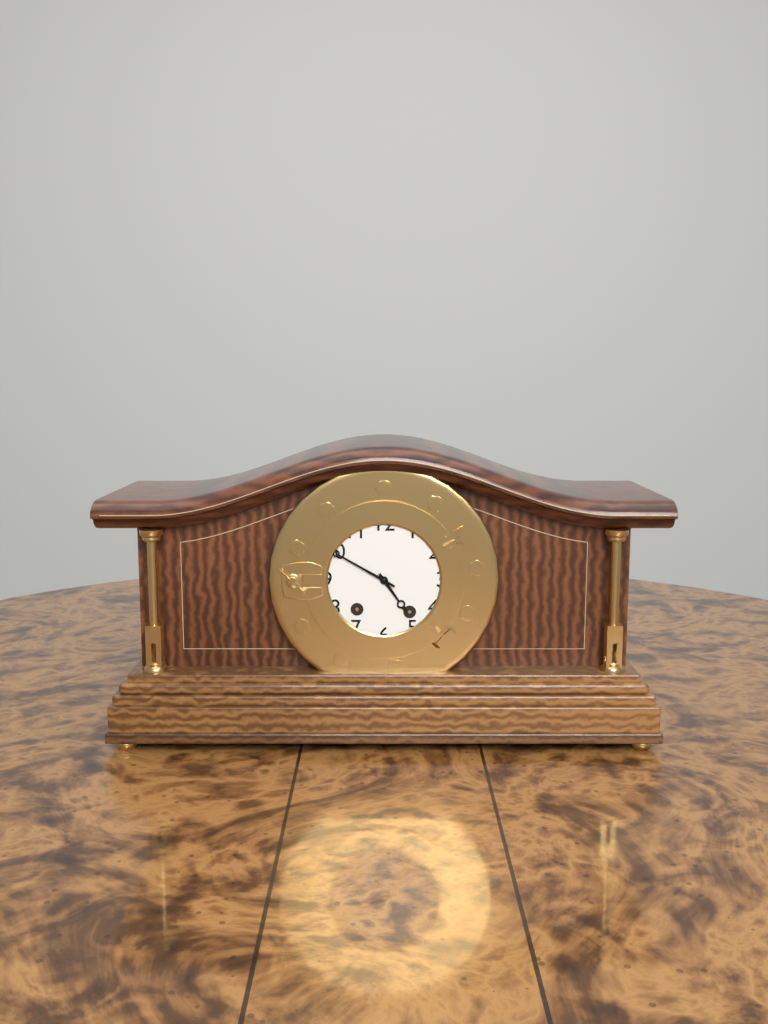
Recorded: h=4 m=50
